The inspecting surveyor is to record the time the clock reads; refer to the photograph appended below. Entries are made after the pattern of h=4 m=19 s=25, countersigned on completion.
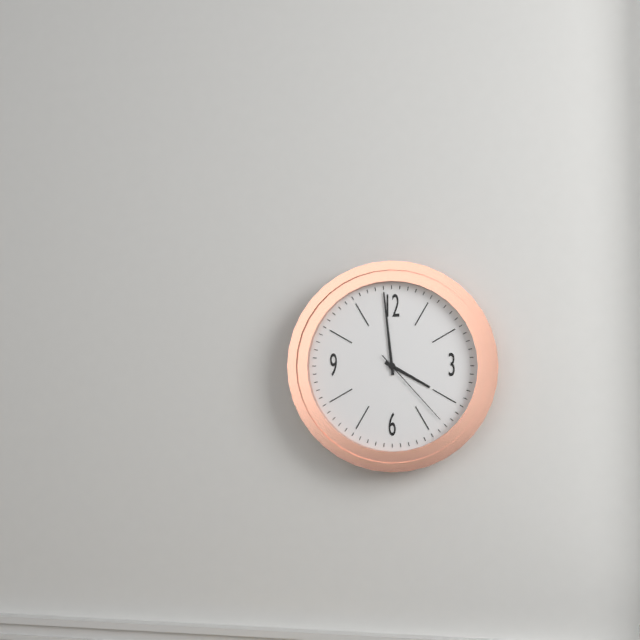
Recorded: h=3 m=59 s=23
